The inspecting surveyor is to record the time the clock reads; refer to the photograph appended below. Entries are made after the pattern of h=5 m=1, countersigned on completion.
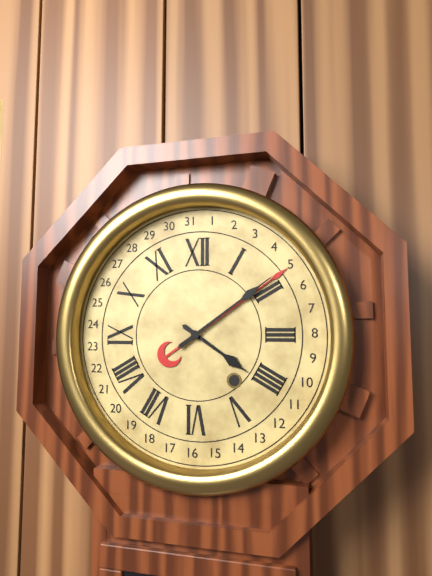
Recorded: h=4 m=9
